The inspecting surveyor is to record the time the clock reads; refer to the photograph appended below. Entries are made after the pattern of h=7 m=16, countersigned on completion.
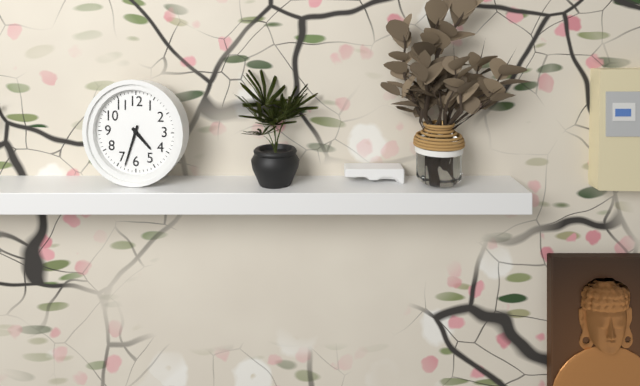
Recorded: h=4 m=33
